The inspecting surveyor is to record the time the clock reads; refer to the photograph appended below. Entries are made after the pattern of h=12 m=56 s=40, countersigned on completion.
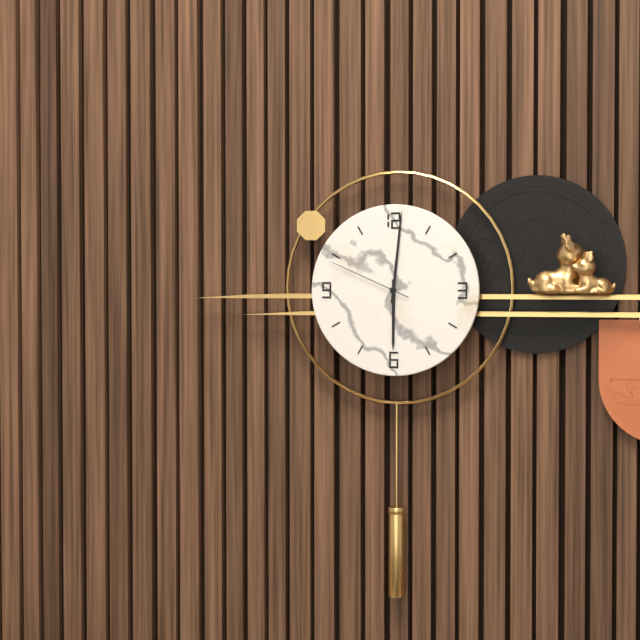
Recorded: h=6 m=1 s=49
